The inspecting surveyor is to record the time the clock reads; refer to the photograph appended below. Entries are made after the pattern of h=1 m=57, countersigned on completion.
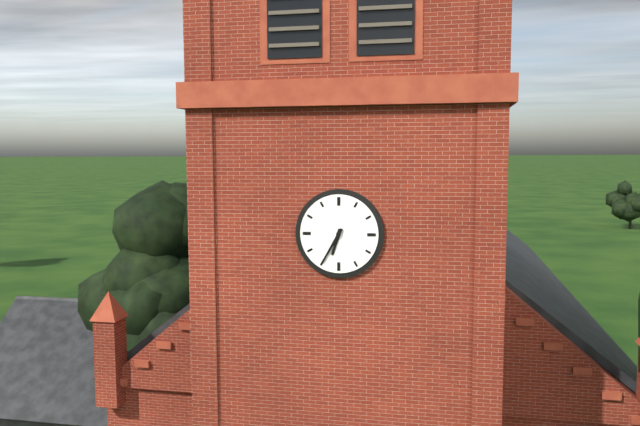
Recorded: h=6 m=35
